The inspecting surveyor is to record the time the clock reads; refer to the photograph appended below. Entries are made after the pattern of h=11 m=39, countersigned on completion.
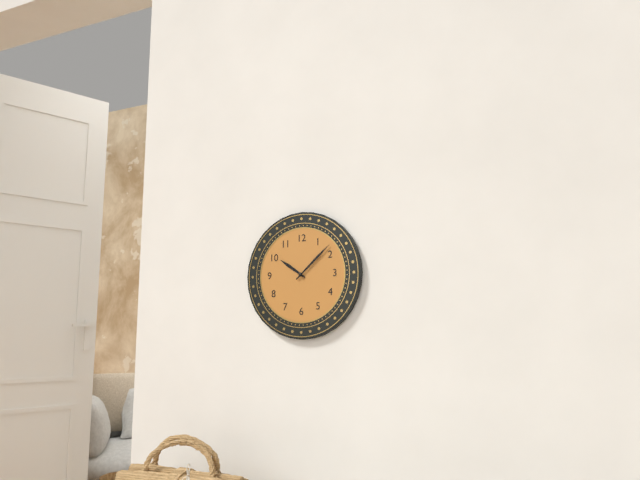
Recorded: h=10 m=8
